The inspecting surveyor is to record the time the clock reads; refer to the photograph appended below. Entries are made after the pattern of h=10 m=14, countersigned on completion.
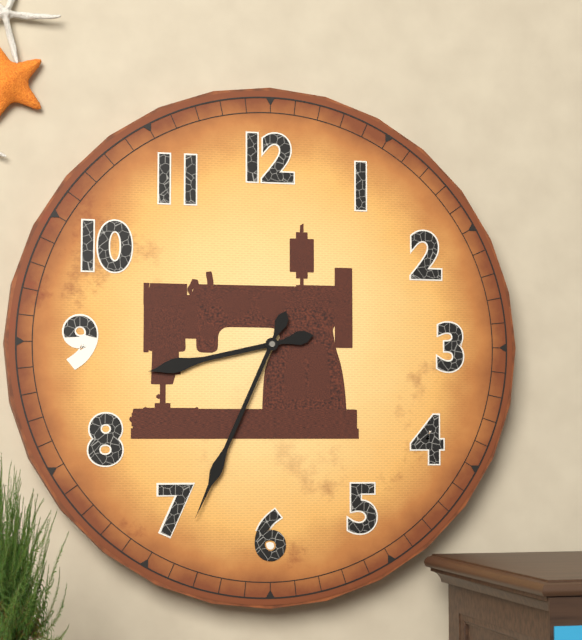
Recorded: h=8 m=34
